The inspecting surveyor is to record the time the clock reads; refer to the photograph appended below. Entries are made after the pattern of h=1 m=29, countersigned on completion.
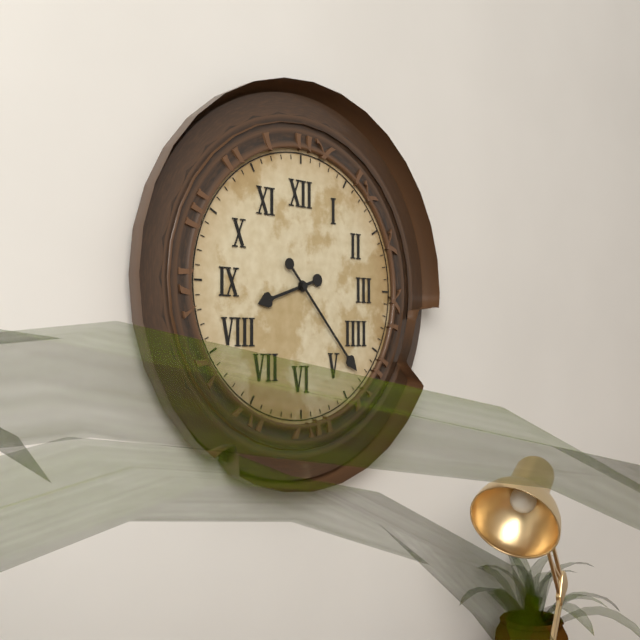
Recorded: h=8 m=23
